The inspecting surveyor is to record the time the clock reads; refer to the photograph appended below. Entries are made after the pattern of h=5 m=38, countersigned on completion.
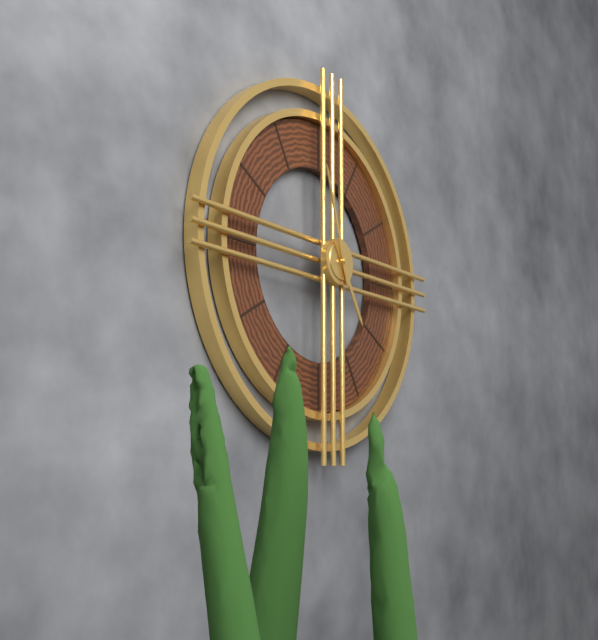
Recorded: h=4 m=57
